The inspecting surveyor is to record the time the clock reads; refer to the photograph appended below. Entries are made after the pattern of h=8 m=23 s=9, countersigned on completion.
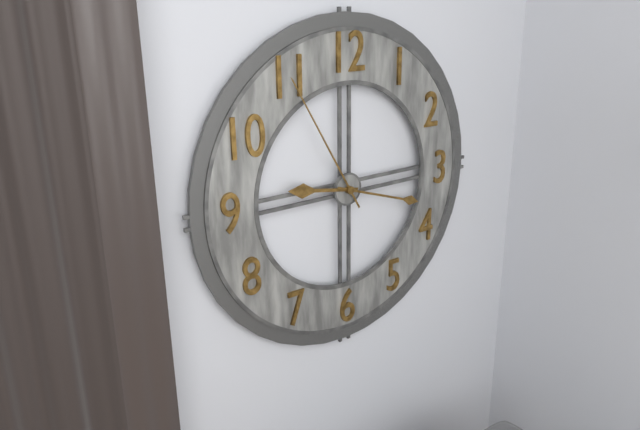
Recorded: h=9 m=18 s=55
